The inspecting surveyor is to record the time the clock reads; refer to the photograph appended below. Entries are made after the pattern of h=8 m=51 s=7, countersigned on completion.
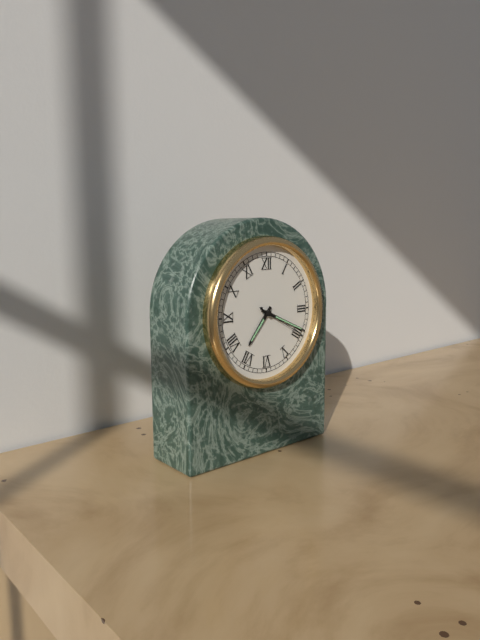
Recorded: h=7 m=19 s=20
